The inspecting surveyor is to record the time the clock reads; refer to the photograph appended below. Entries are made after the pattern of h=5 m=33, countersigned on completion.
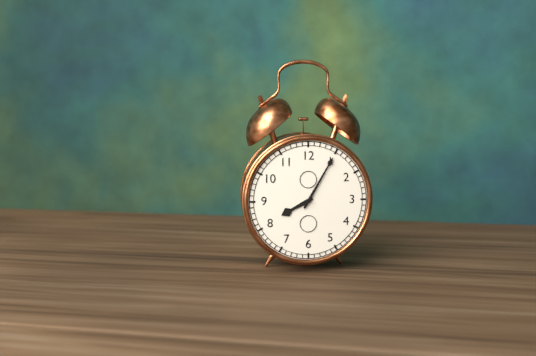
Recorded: h=8 m=5
